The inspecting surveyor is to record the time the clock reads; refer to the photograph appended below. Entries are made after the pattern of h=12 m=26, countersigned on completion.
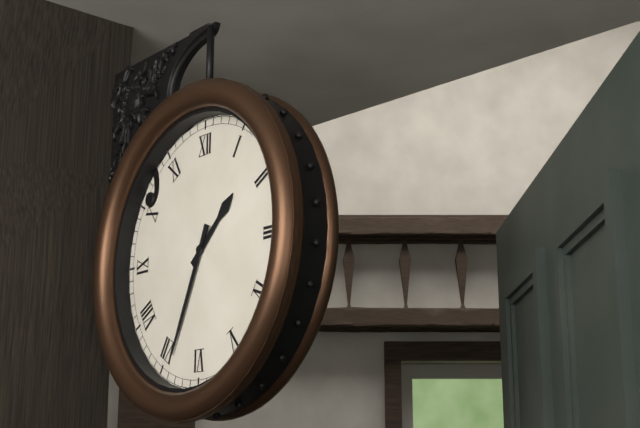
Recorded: h=1 m=34
